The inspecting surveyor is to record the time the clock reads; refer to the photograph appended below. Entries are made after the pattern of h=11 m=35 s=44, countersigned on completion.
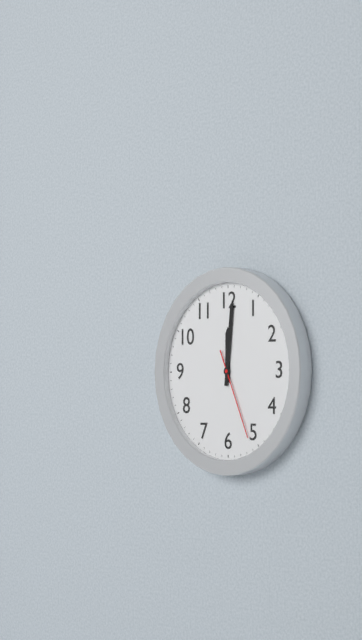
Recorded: h=12 m=1 s=26
